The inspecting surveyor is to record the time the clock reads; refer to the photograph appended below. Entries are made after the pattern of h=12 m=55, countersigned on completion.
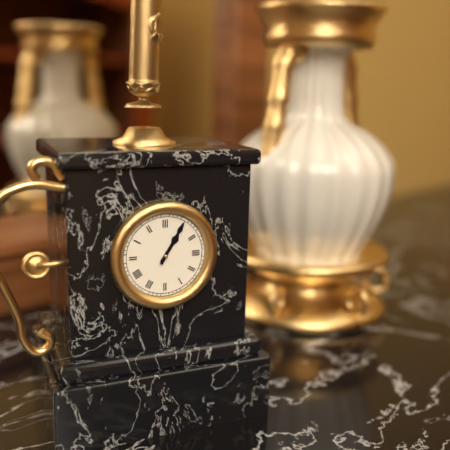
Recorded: h=1 m=5
